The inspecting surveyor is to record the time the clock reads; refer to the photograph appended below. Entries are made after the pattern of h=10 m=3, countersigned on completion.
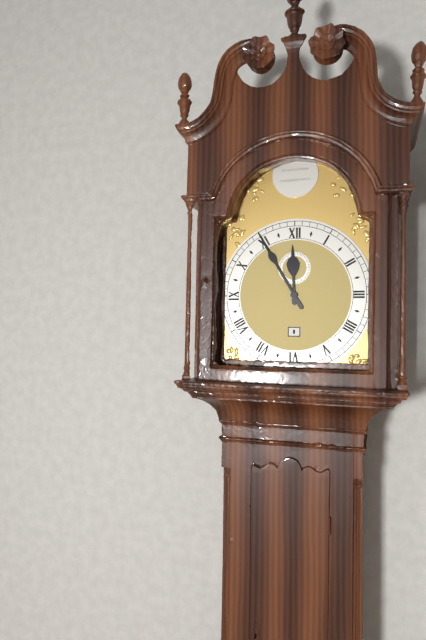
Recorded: h=11 m=55
